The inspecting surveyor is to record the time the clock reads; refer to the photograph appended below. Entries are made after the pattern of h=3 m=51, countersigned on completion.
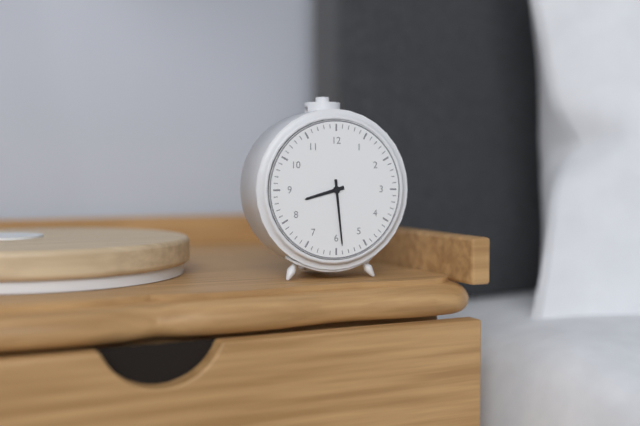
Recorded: h=8 m=29
